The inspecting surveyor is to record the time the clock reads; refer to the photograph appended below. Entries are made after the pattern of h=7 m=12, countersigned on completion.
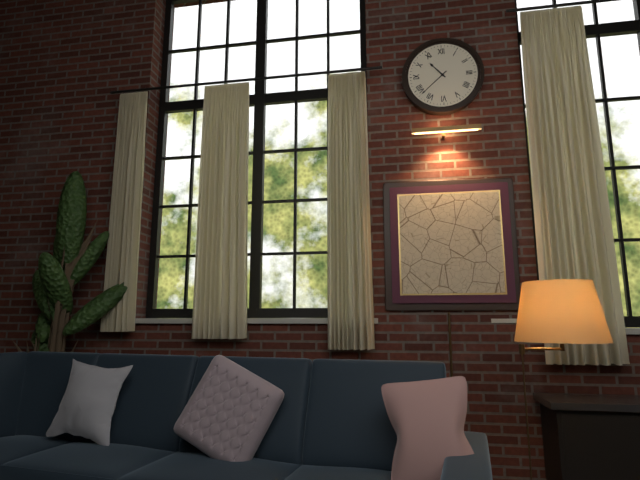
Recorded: h=10 m=38
